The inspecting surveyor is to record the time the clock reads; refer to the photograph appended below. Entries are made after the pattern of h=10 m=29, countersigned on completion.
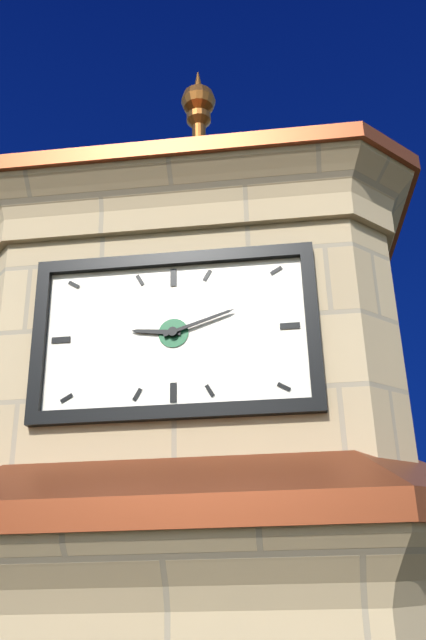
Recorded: h=9 m=12
